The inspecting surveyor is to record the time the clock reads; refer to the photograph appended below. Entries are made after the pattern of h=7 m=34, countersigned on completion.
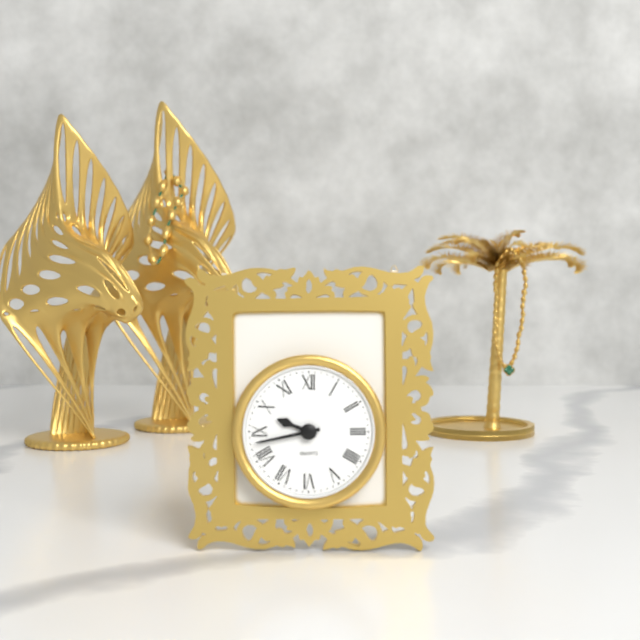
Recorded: h=9 m=43
